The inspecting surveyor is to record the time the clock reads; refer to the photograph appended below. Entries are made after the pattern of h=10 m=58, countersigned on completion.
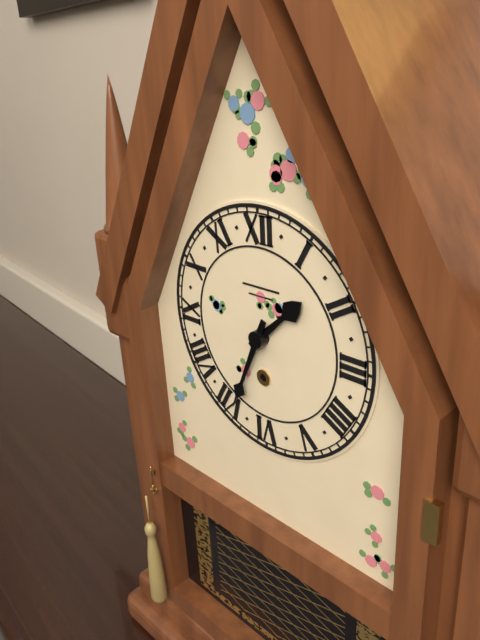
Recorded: h=1 m=34
